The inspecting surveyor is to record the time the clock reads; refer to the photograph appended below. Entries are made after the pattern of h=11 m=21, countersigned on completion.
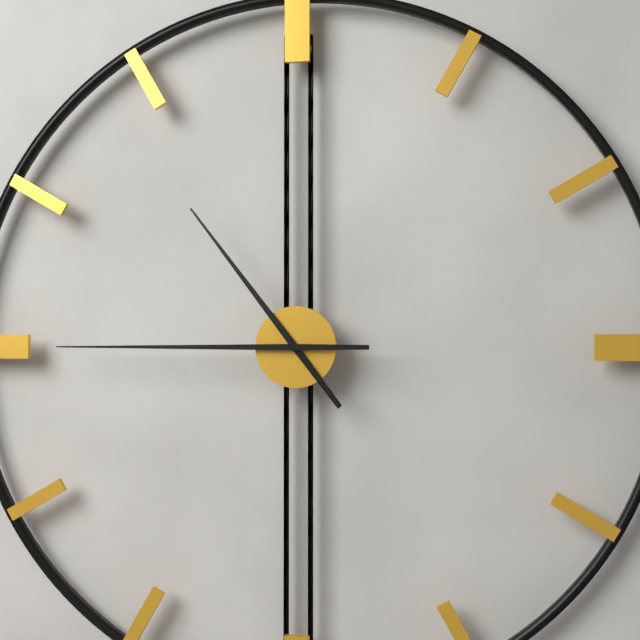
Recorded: h=10 m=45
